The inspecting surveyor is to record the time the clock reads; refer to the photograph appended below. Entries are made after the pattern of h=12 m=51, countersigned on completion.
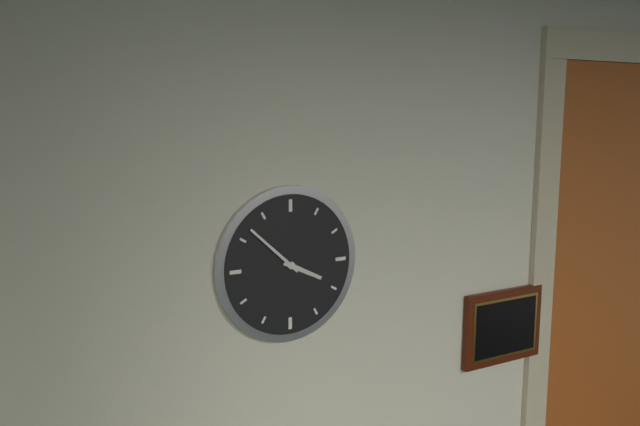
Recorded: h=3 m=52
